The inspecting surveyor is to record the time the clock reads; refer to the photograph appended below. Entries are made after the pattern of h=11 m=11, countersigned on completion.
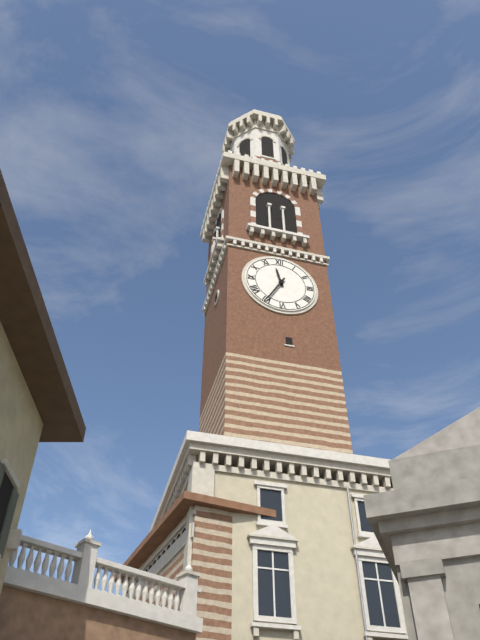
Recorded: h=11 m=35
